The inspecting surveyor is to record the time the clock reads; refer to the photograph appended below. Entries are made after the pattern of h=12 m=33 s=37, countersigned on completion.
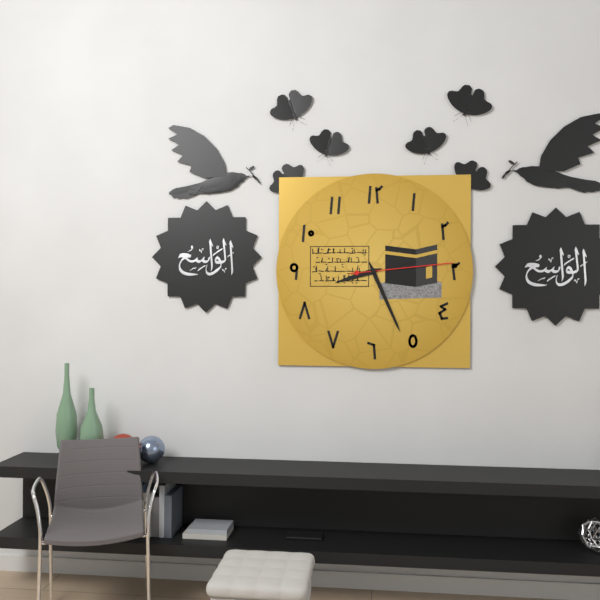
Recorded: h=8 m=26 s=14
